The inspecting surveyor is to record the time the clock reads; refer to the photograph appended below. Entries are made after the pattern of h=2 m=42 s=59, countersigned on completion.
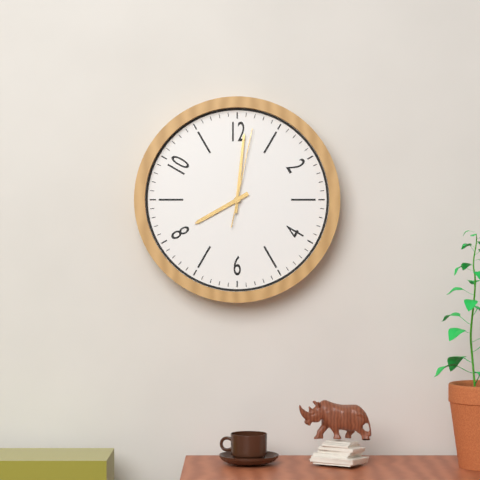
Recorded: h=8 m=1 s=2
